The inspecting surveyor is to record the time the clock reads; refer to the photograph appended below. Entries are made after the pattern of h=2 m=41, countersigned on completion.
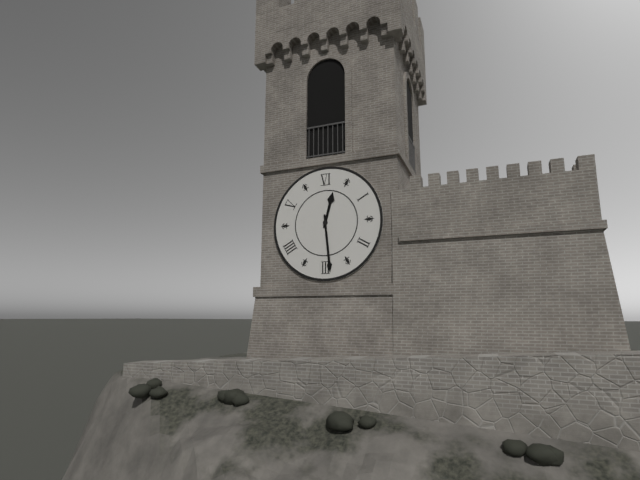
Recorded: h=12 m=29
